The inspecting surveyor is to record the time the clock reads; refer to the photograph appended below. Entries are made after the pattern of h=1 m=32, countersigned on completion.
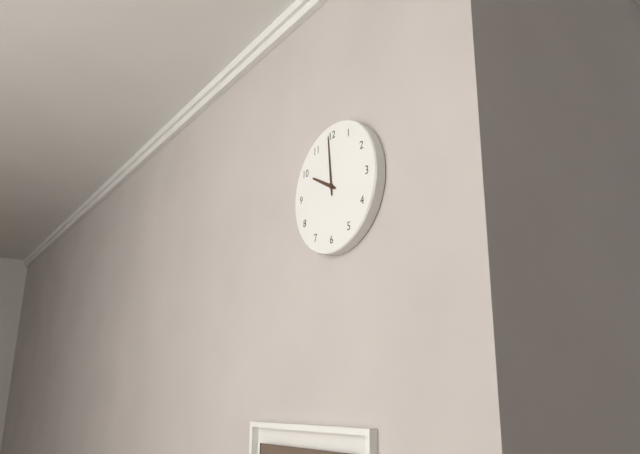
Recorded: h=9 m=59
